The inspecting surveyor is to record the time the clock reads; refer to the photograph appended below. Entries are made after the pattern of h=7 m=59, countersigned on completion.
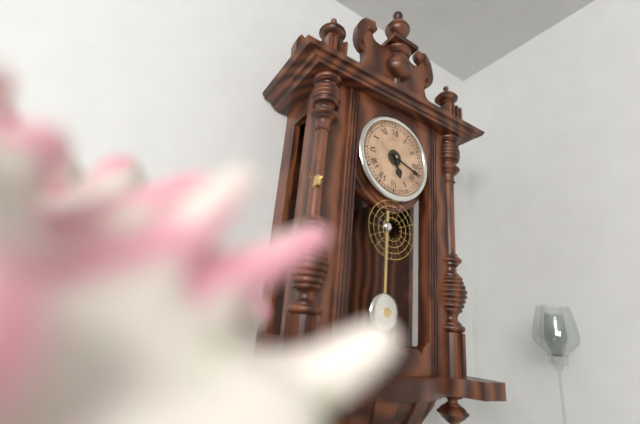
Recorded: h=5 m=18
